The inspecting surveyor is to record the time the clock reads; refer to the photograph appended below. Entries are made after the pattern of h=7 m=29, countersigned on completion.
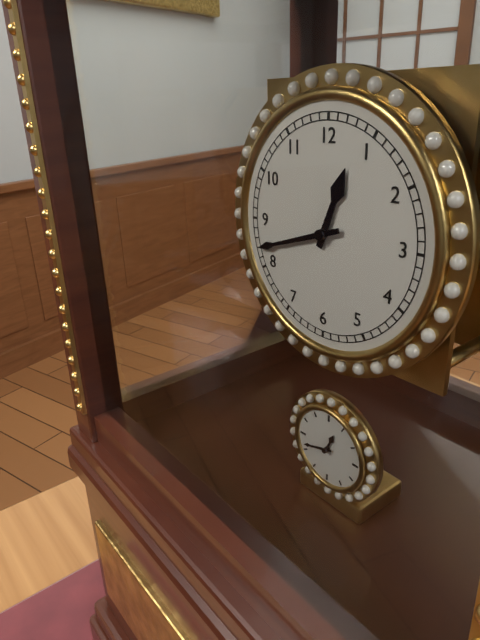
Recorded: h=12 m=42
